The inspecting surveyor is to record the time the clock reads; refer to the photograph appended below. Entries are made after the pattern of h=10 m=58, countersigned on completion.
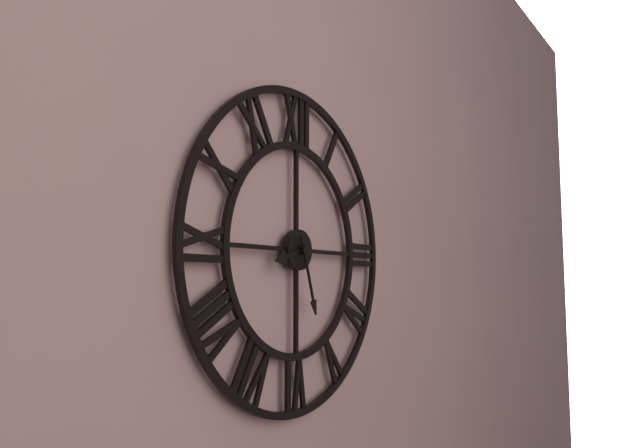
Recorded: h=8 m=27
